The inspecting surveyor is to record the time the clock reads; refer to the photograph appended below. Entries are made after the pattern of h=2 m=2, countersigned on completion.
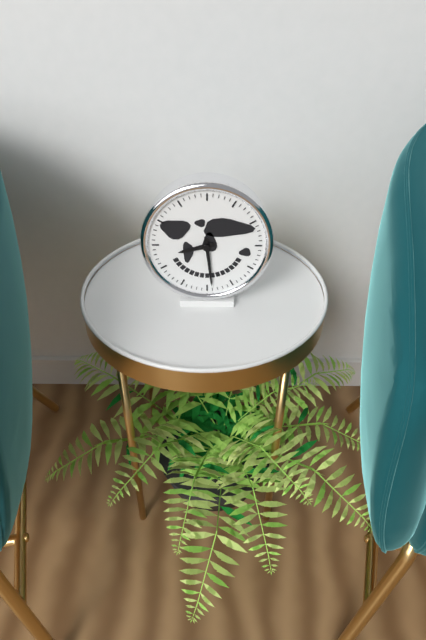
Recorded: h=8 m=29
